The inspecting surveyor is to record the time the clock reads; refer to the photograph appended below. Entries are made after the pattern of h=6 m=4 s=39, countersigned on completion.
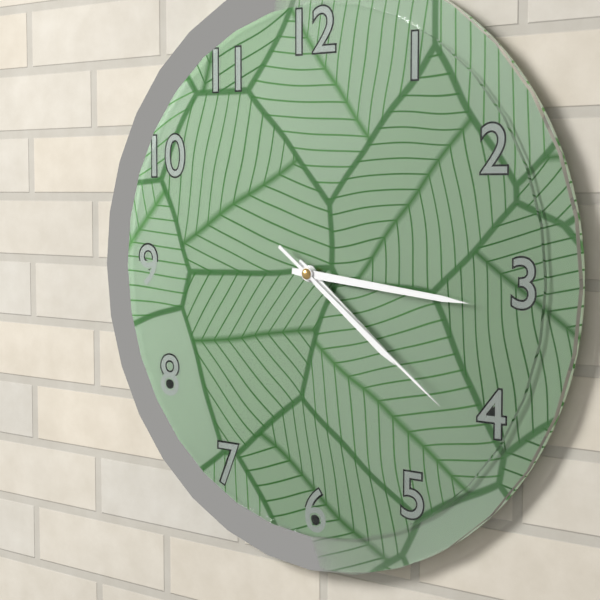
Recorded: h=4 m=16 s=21
